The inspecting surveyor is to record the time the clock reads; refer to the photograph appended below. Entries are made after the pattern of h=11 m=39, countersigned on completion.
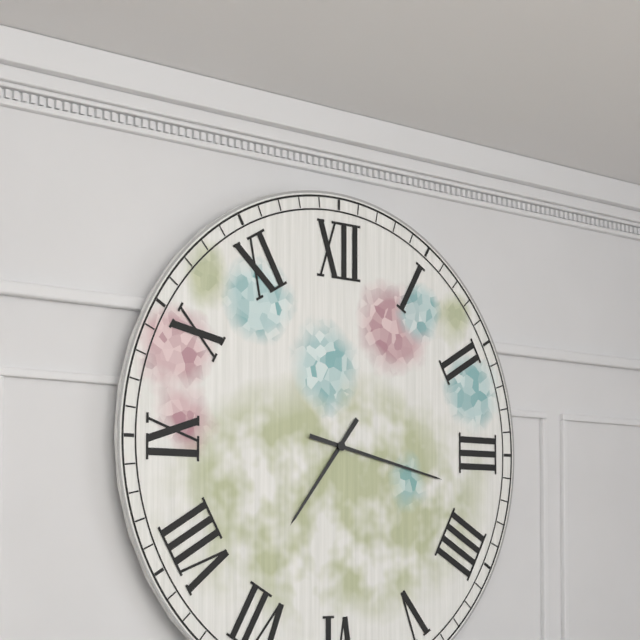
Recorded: h=7 m=17
